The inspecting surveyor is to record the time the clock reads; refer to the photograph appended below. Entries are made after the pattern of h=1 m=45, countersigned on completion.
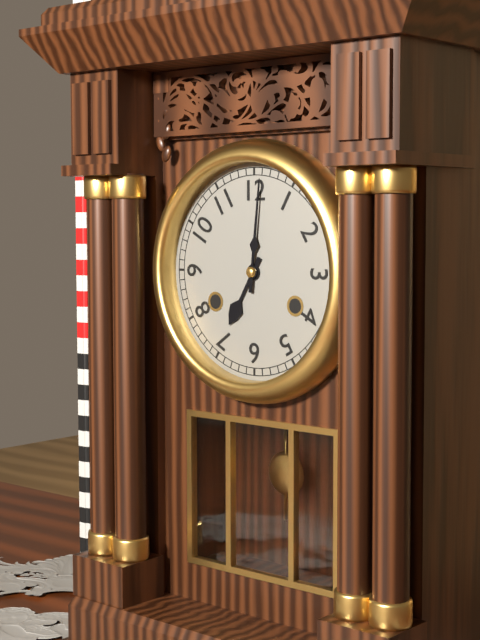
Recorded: h=7 m=1
